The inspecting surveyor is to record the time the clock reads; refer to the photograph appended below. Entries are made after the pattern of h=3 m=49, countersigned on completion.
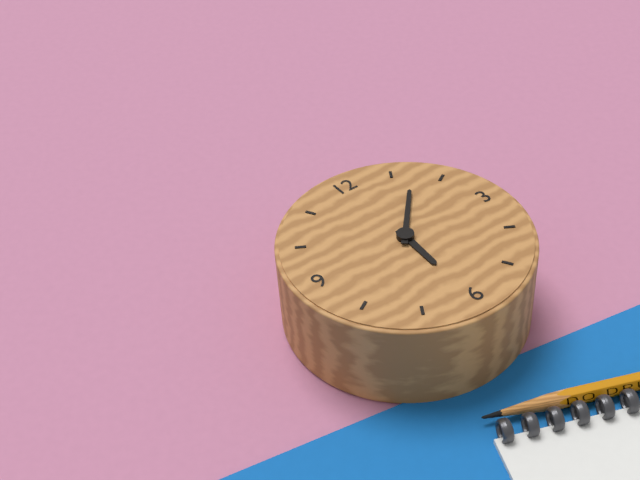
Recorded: h=6 m=7
